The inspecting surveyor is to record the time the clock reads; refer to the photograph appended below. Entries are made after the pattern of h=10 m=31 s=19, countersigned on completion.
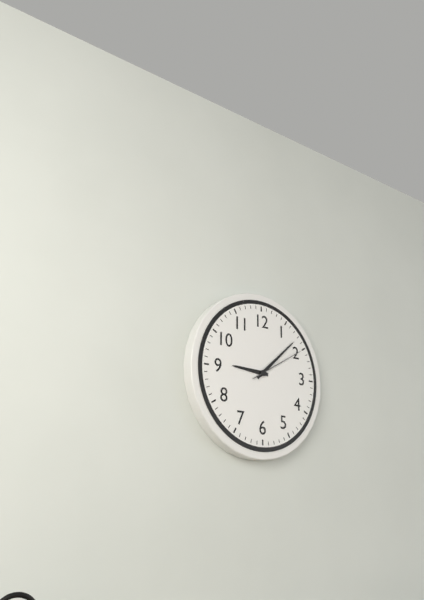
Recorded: h=9 m=8 s=10
